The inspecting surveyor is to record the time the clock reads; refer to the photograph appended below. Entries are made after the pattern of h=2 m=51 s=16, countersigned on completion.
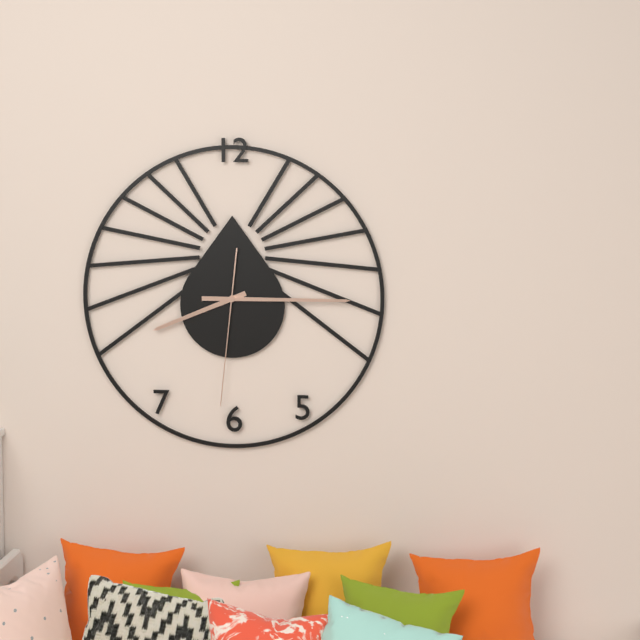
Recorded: h=8 m=15 s=31
